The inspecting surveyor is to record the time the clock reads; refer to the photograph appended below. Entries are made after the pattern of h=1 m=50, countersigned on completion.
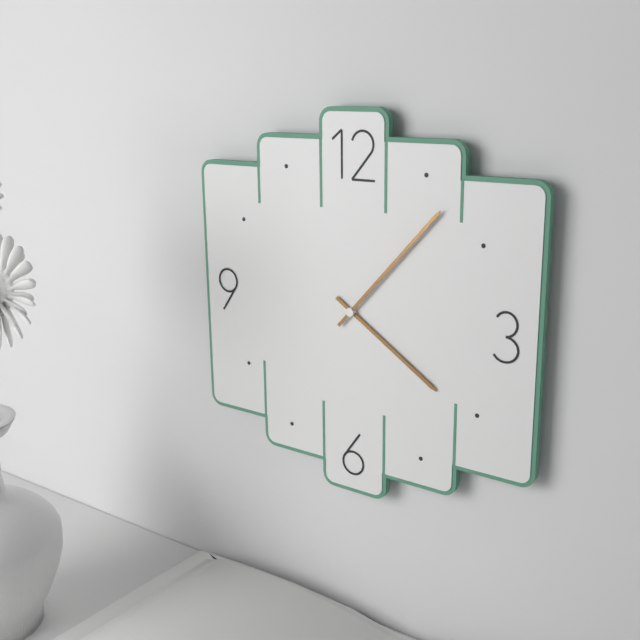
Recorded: h=4 m=7
